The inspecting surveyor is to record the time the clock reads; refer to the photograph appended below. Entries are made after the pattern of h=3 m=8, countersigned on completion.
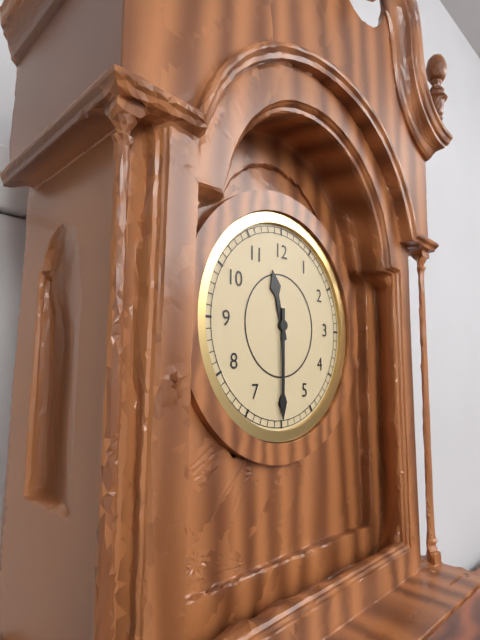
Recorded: h=11 m=30
